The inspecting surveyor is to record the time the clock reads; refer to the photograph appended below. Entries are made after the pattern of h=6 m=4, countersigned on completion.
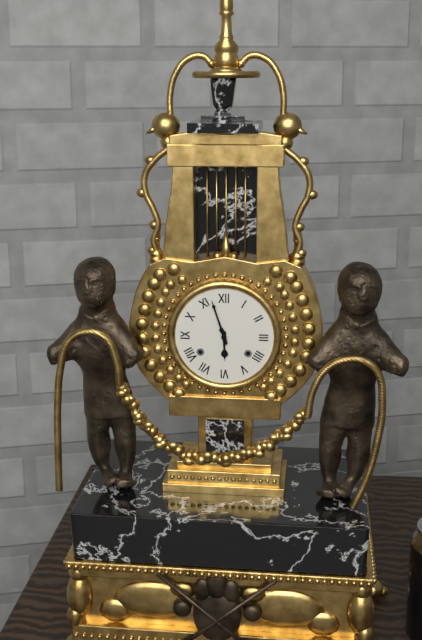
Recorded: h=5 m=57
